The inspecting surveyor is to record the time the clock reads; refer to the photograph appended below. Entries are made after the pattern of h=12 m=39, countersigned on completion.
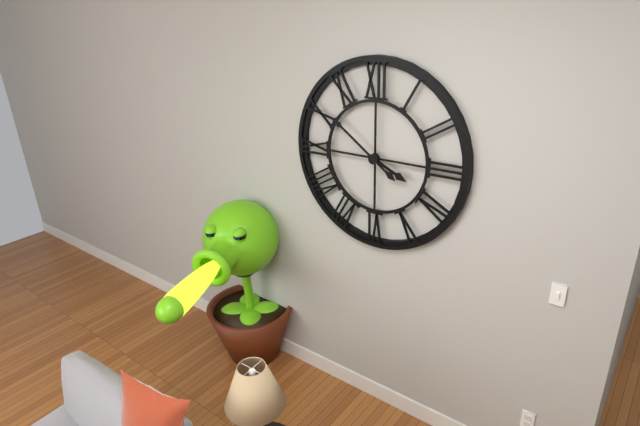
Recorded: h=3 m=51
